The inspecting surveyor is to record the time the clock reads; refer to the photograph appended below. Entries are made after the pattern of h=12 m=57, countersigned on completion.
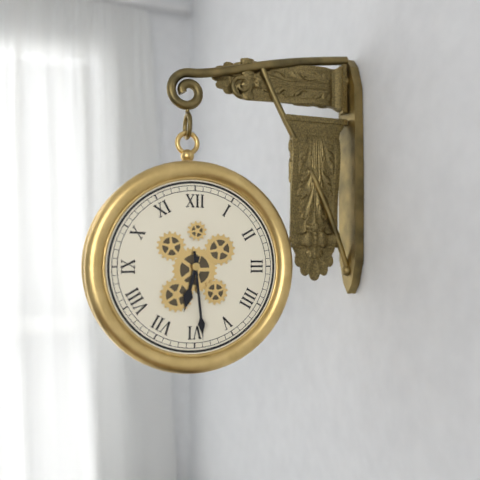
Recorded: h=6 m=29
